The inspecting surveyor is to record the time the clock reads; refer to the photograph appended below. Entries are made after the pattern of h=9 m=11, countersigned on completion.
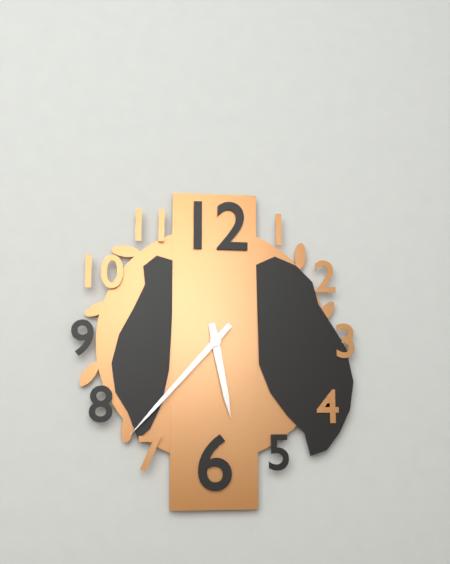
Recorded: h=5 m=37
